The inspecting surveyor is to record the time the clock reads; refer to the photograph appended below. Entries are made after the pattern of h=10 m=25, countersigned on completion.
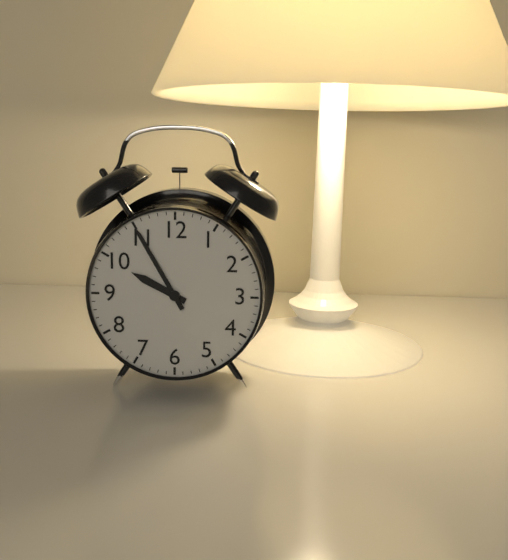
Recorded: h=9 m=55
